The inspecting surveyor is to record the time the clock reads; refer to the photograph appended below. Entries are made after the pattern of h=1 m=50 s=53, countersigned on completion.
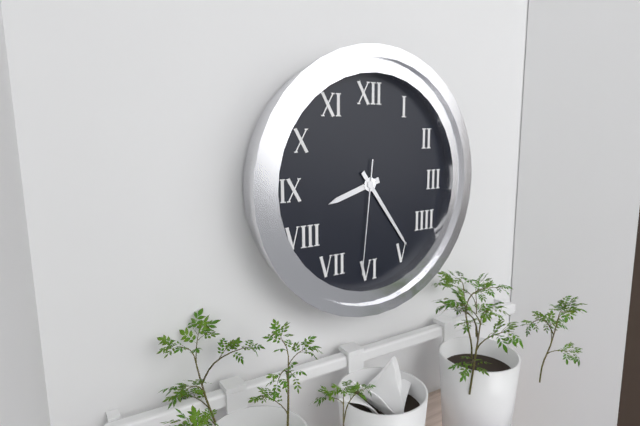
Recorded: h=8 m=24 s=31
